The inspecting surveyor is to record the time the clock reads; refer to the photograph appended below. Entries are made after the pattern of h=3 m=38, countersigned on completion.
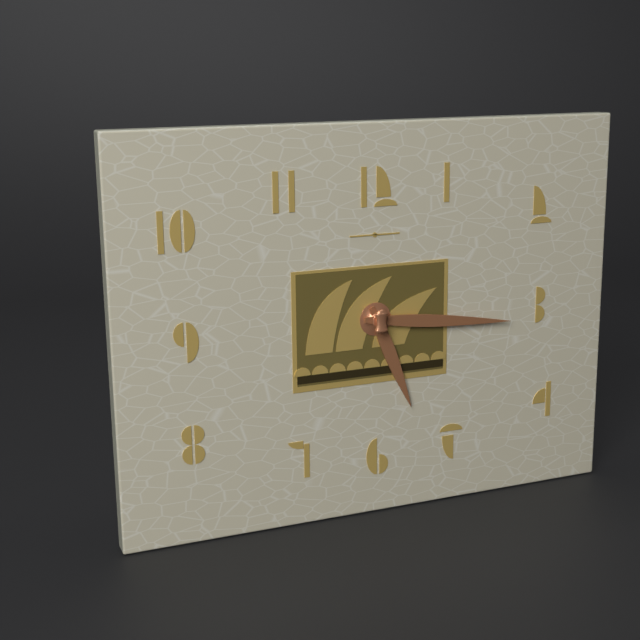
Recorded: h=5 m=16
